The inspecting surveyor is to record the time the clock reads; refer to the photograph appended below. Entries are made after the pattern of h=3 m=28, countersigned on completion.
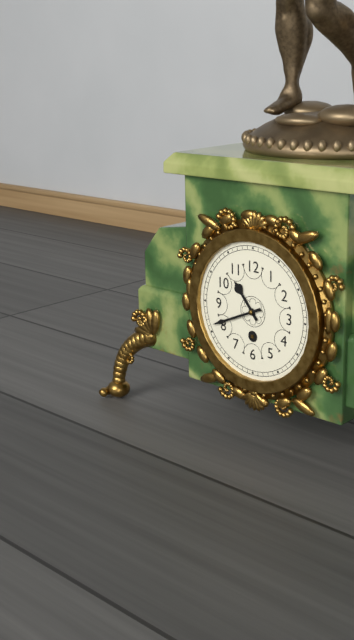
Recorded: h=10 m=41
